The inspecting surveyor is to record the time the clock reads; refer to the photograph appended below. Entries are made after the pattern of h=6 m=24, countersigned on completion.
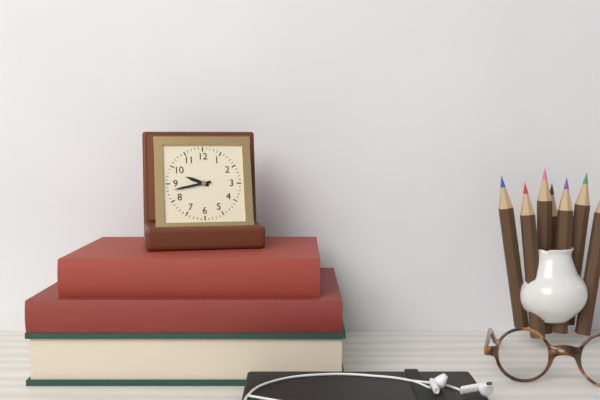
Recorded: h=9 m=43
